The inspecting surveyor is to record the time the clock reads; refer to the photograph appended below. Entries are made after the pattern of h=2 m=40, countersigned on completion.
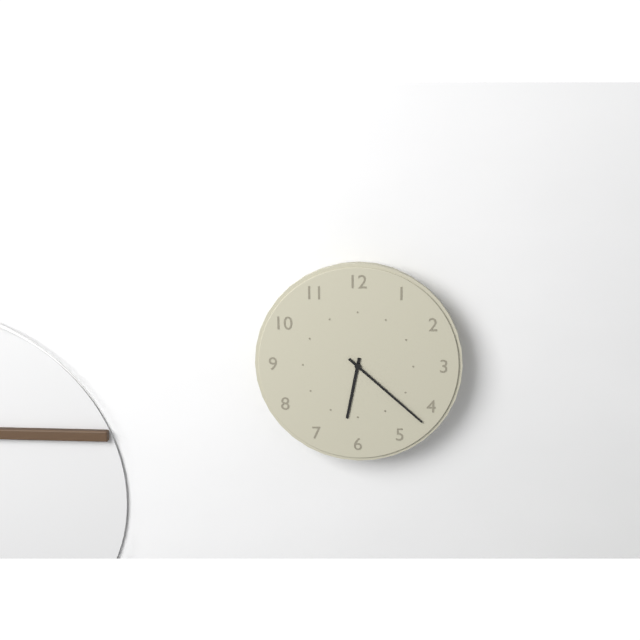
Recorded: h=6 m=22
